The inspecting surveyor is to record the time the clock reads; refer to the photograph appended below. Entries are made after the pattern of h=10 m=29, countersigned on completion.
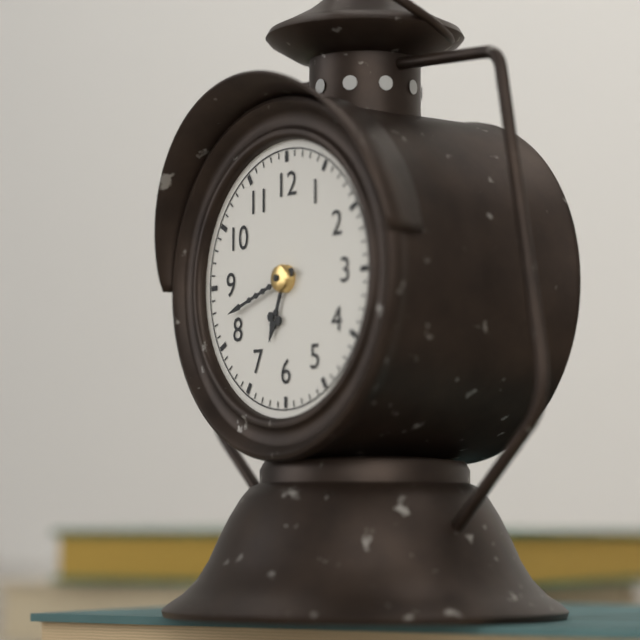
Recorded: h=6 m=42
